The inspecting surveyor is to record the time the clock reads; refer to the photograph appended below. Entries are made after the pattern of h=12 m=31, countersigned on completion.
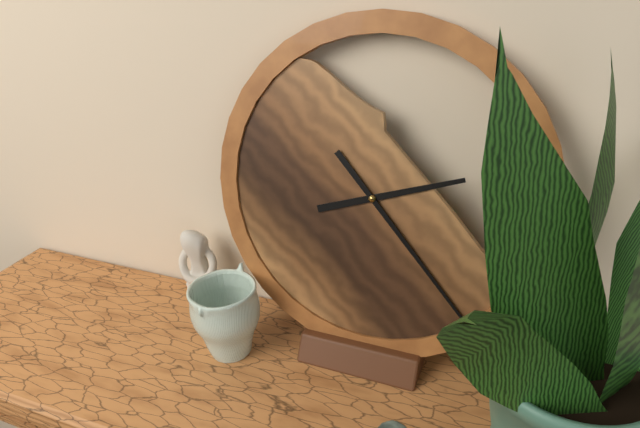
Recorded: h=2 m=23
